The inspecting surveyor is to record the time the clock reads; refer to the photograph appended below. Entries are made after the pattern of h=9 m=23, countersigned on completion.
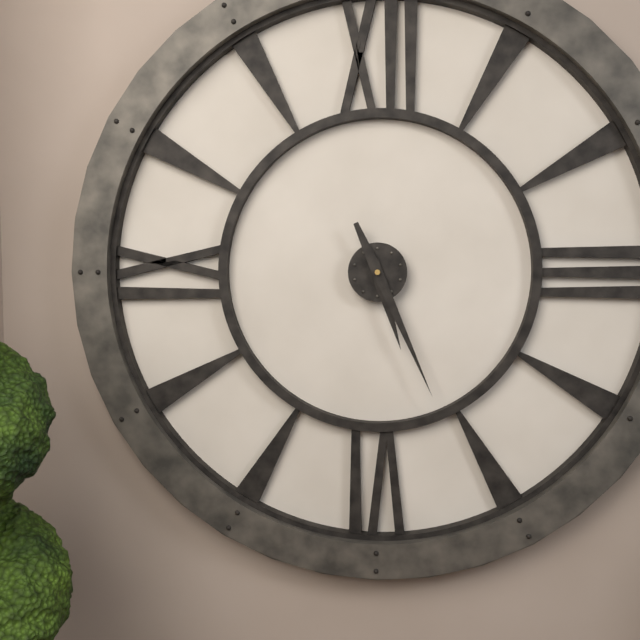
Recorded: h=5 m=26
